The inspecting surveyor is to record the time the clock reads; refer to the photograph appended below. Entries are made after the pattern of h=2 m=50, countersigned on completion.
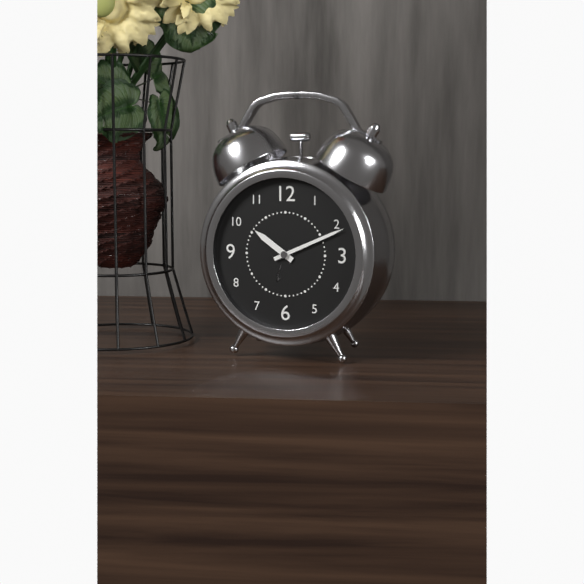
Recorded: h=10 m=11
